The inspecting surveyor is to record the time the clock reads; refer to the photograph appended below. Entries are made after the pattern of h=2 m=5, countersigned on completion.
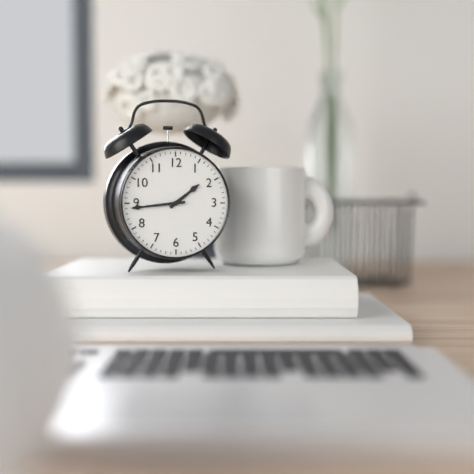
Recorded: h=1 m=44
